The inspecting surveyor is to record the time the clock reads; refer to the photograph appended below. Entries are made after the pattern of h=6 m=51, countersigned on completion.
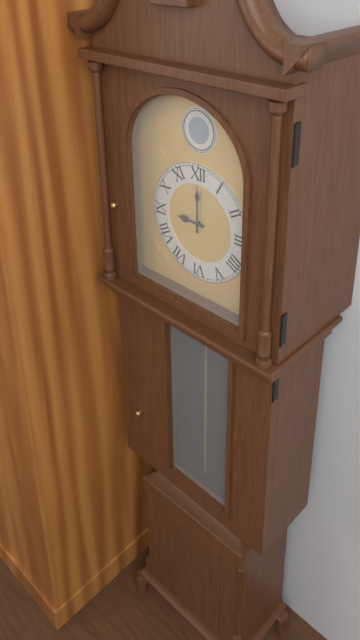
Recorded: h=9 m=0
